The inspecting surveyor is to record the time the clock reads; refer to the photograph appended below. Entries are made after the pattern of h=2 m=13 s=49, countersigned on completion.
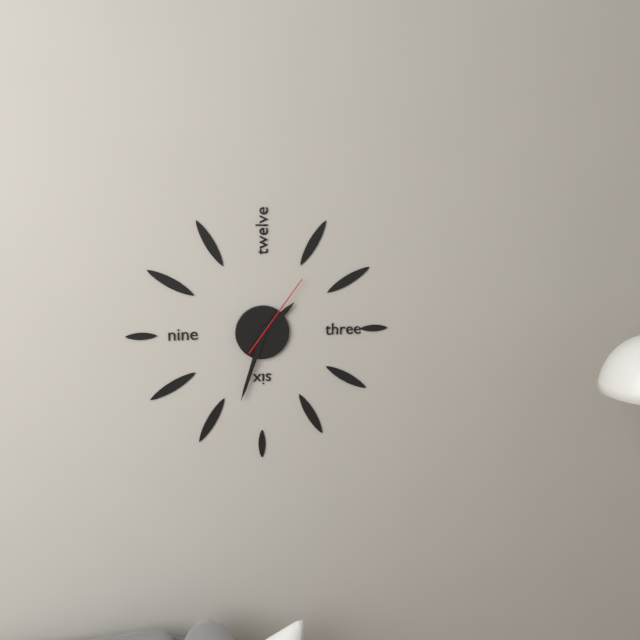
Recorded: h=1 m=33 s=6
